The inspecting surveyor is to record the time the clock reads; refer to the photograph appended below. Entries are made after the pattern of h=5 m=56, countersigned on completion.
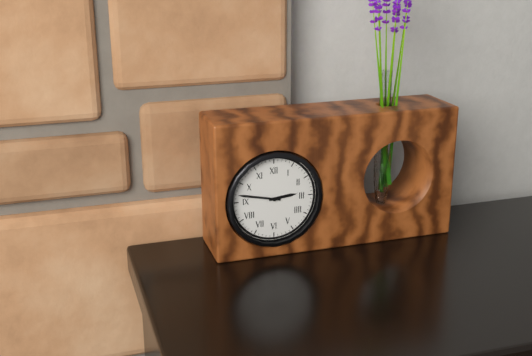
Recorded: h=2 m=47
